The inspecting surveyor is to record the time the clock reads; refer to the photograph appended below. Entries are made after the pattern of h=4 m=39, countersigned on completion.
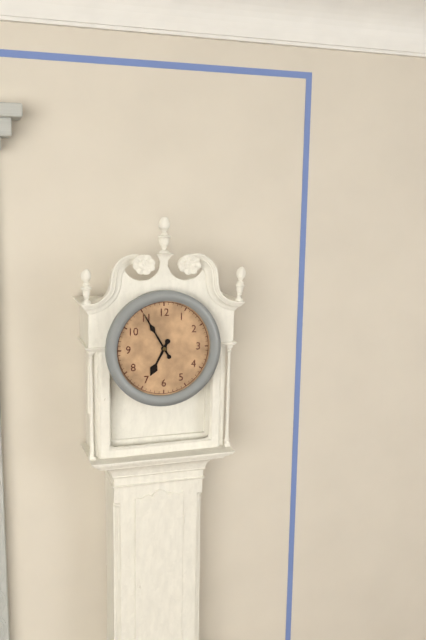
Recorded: h=6 m=55
